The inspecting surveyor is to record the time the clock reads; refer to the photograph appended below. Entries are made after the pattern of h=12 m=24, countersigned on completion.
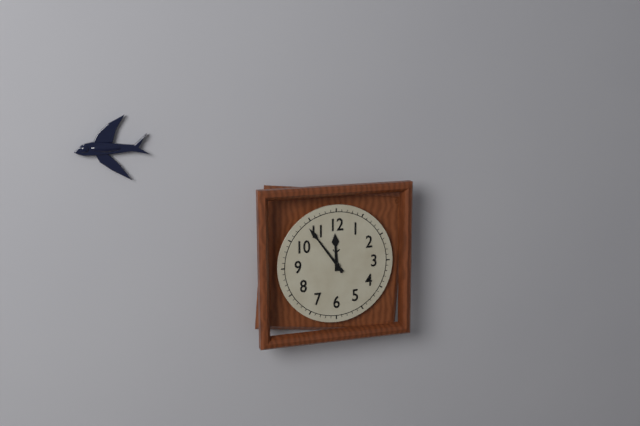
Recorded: h=11 m=54
